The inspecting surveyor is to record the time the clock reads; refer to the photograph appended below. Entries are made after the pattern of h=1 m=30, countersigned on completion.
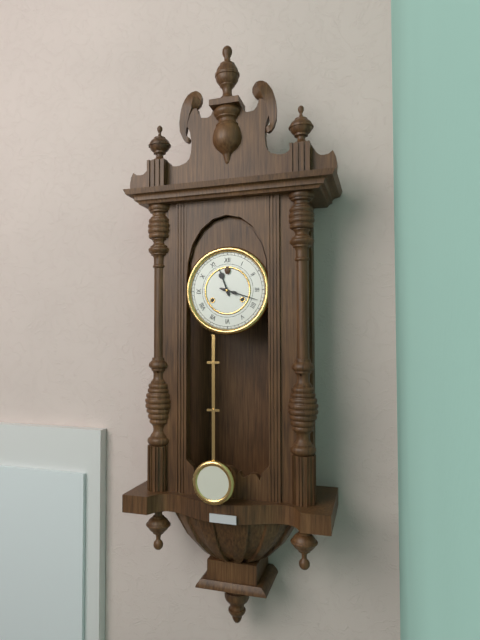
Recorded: h=11 m=18
